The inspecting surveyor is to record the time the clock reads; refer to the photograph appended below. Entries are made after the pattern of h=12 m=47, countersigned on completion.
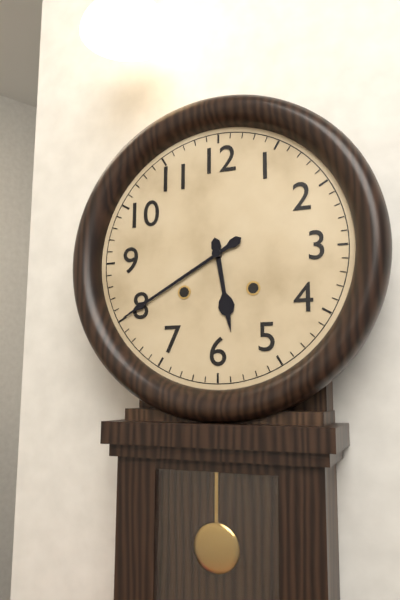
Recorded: h=5 m=40
